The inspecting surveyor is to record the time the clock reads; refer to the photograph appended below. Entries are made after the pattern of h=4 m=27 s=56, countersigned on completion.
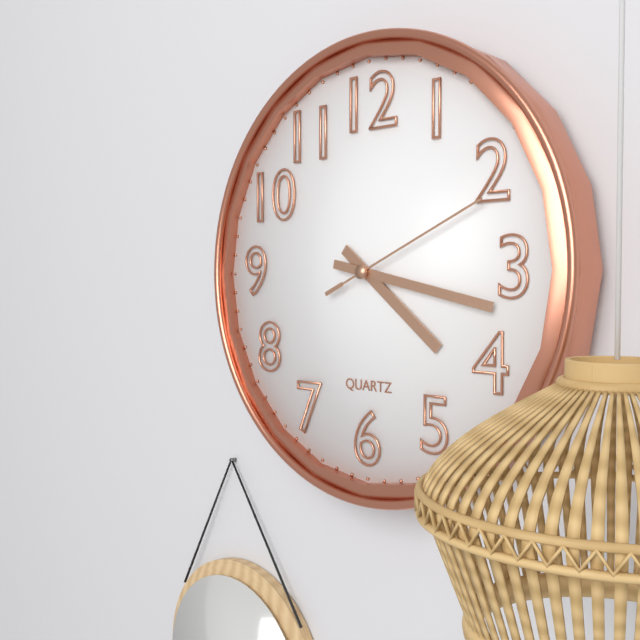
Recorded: h=4 m=17 s=11
